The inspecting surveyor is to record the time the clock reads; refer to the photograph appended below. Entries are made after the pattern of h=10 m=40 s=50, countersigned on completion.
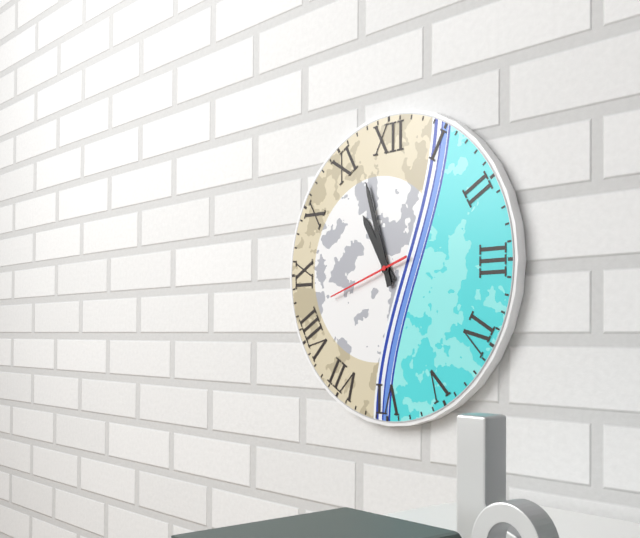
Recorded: h=10 m=57 s=42
